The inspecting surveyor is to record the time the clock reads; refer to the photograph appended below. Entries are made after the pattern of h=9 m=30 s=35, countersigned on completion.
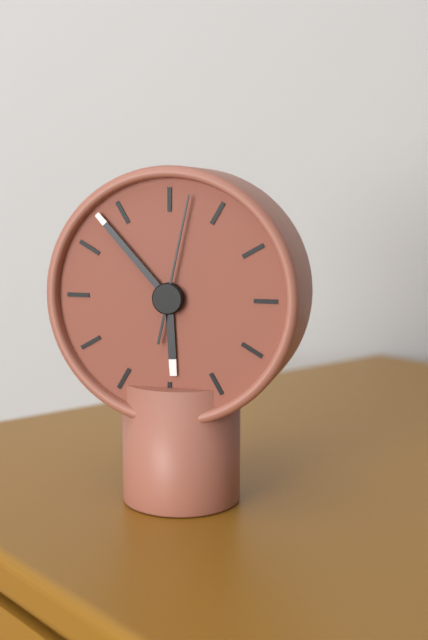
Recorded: h=5 m=53 s=2
